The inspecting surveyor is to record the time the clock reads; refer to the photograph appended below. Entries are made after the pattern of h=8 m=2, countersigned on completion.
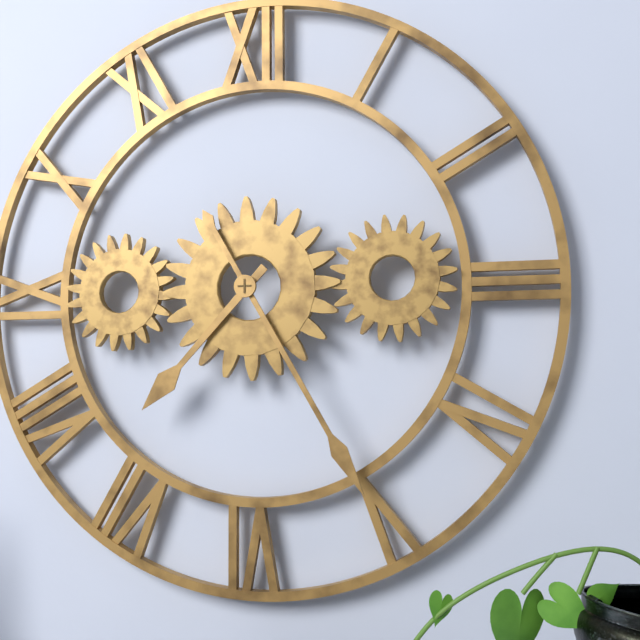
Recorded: h=7 m=25
